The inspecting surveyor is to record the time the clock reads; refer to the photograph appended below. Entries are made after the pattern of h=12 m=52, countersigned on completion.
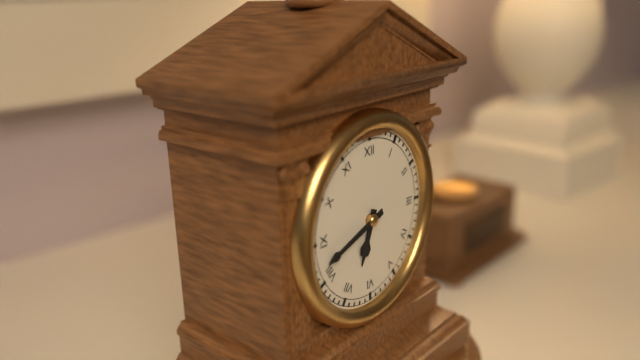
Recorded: h=6 m=42
